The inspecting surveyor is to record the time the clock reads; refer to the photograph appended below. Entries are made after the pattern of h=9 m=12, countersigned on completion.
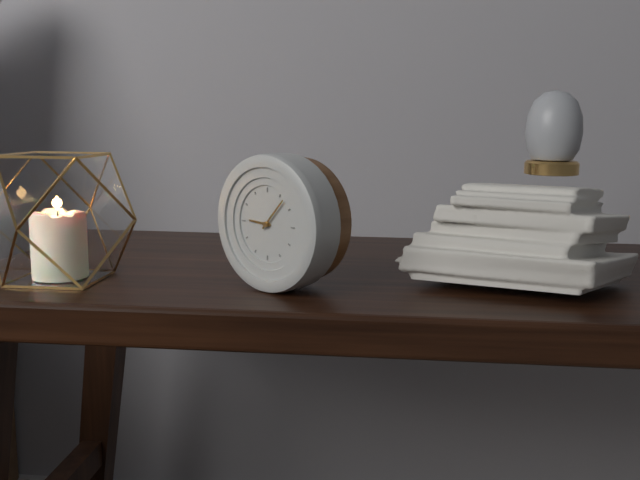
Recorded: h=9 m=7
